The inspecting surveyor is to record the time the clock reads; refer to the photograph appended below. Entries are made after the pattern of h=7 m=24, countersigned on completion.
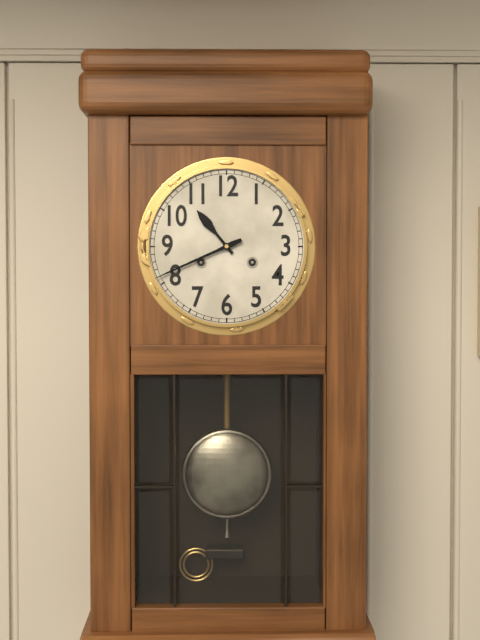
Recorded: h=10 m=41
